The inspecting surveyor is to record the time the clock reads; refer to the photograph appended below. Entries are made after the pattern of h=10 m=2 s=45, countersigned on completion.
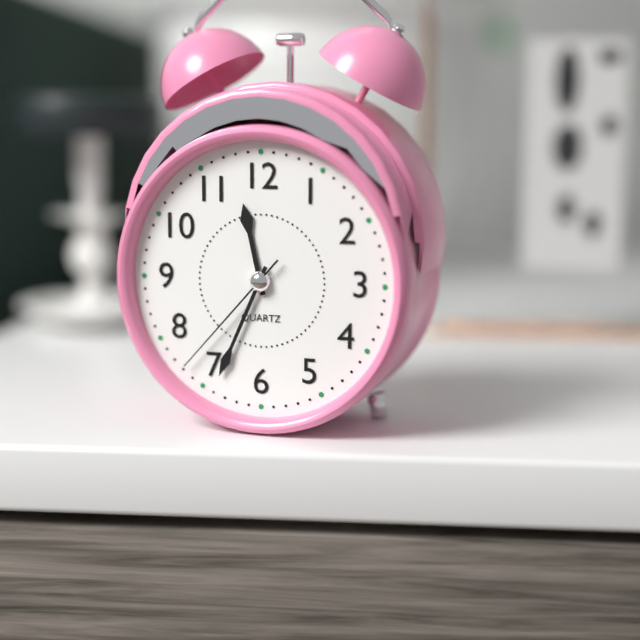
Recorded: h=11 m=34 s=37
